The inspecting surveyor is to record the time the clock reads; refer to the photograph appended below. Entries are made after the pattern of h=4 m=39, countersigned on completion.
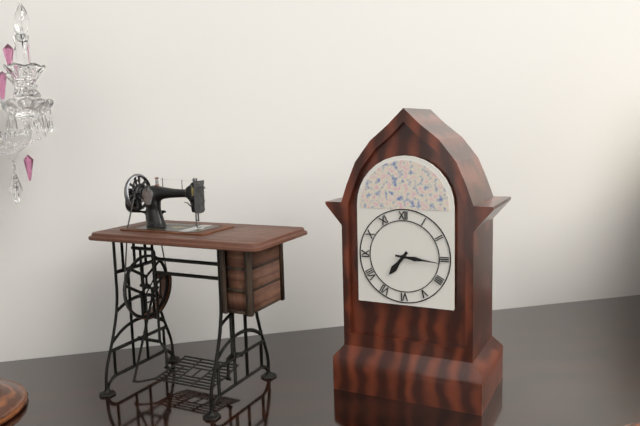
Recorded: h=7 m=16
